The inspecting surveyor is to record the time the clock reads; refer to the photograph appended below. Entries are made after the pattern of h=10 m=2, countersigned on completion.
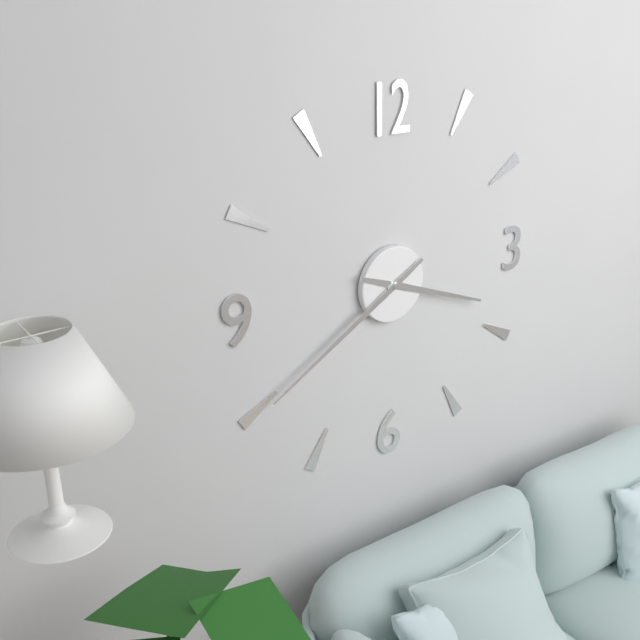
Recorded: h=3 m=40
